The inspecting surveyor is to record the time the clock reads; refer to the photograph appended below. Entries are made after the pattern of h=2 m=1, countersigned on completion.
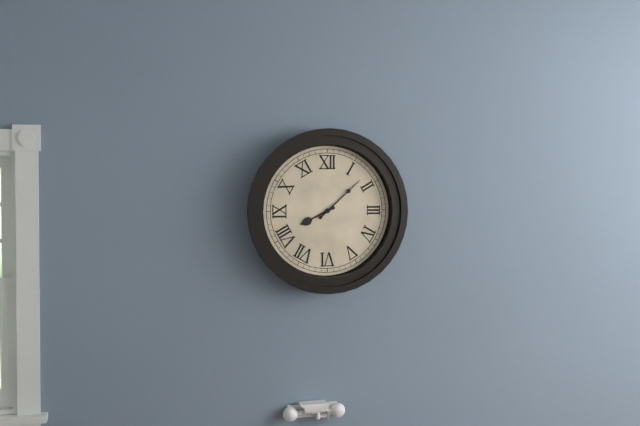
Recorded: h=8 m=8
